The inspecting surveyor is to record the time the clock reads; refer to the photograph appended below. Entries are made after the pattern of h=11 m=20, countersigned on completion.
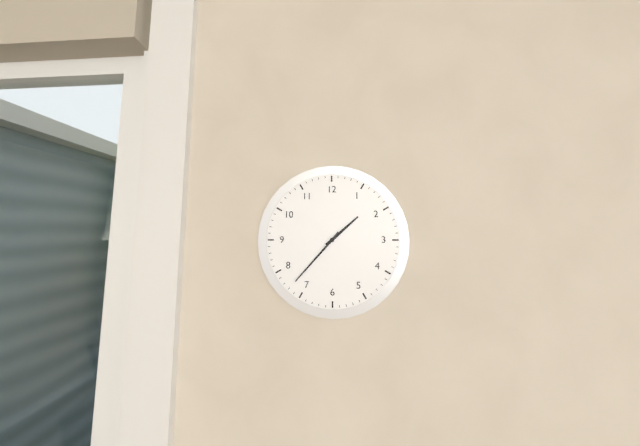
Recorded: h=1 m=37
